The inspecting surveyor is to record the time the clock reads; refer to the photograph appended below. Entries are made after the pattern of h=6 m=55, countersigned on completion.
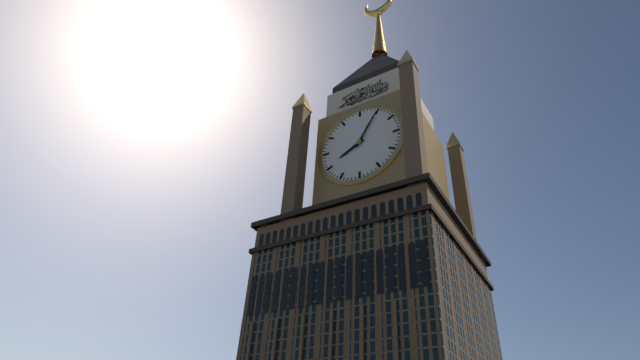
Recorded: h=8 m=5
